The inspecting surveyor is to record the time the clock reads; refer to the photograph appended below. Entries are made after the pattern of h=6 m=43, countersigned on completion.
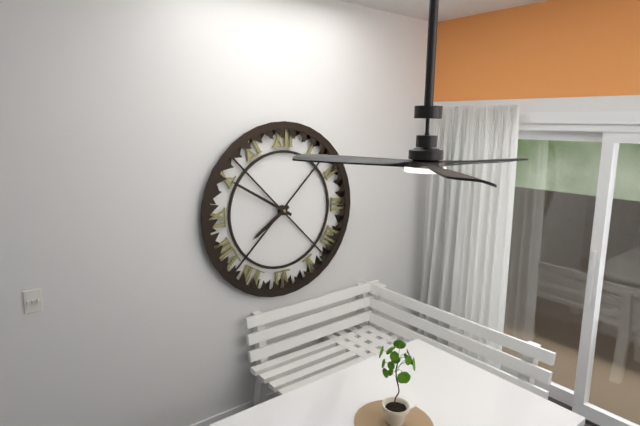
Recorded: h=7 m=50
